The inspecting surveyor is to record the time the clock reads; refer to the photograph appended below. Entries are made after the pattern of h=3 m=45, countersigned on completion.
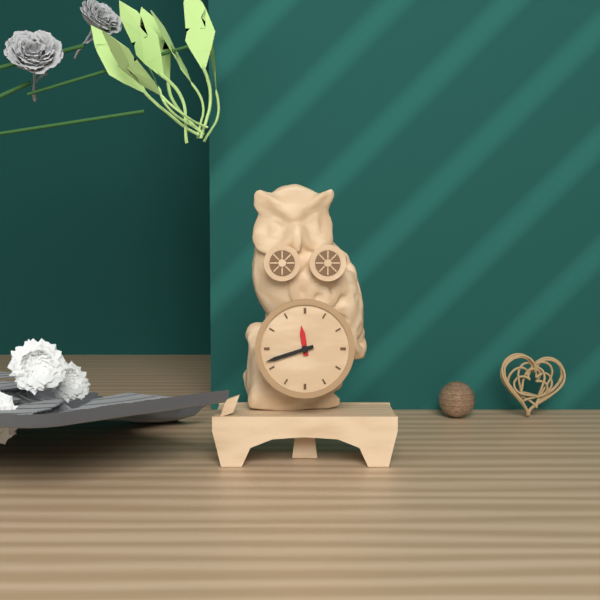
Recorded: h=11 m=42
